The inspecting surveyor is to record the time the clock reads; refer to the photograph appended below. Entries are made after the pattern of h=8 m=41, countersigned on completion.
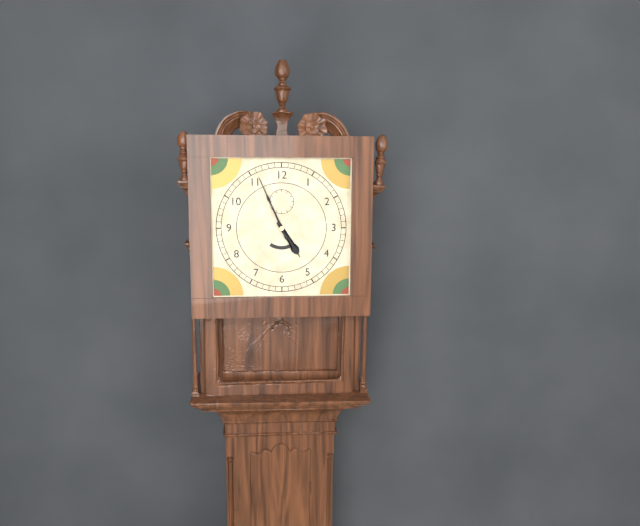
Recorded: h=4 m=56
